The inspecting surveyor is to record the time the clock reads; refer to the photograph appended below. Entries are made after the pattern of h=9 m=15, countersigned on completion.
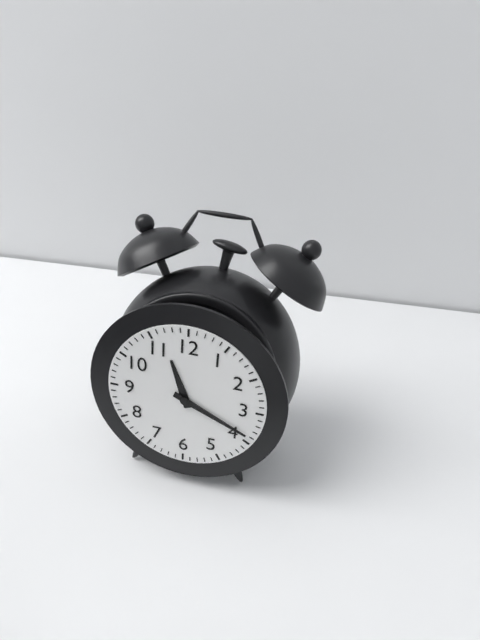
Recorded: h=11 m=19
